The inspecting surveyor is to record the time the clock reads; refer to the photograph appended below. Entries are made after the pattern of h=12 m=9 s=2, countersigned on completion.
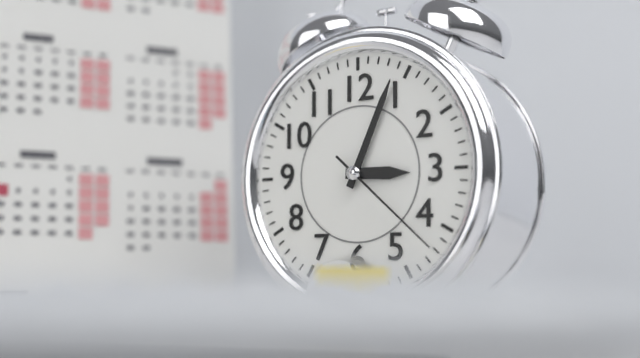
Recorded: h=3 m=4 s=22
